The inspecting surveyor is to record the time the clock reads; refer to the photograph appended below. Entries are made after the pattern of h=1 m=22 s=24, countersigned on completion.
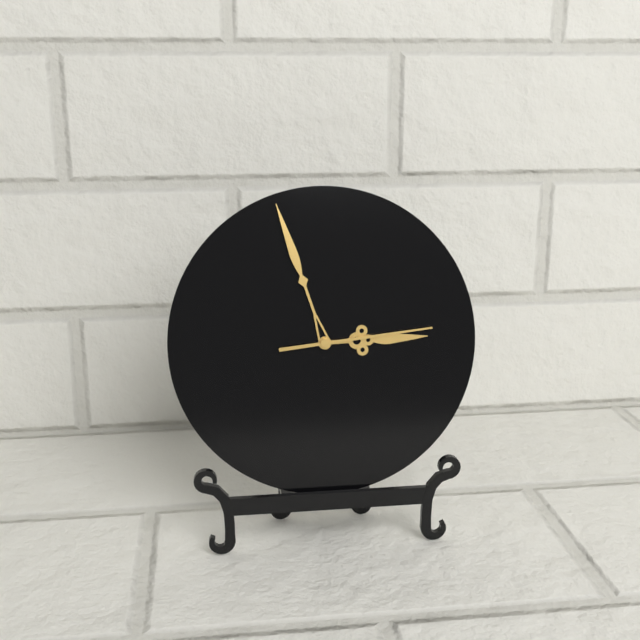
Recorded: h=2 m=57 s=14
